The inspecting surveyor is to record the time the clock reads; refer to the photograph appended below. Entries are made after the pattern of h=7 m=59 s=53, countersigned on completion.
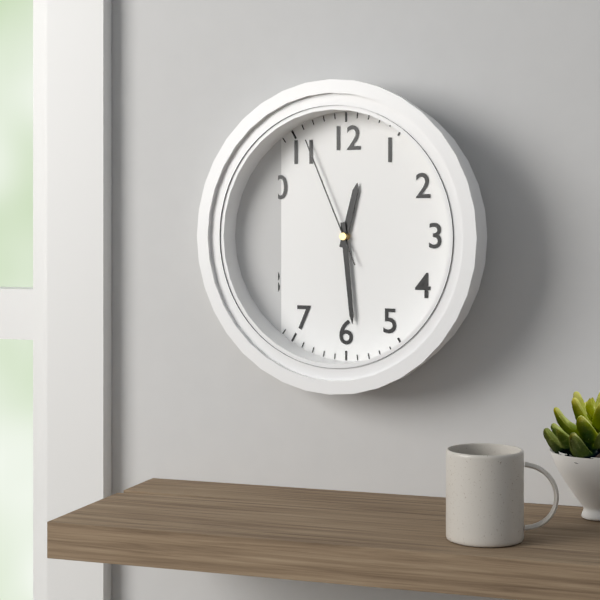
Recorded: h=12 m=29 s=56
